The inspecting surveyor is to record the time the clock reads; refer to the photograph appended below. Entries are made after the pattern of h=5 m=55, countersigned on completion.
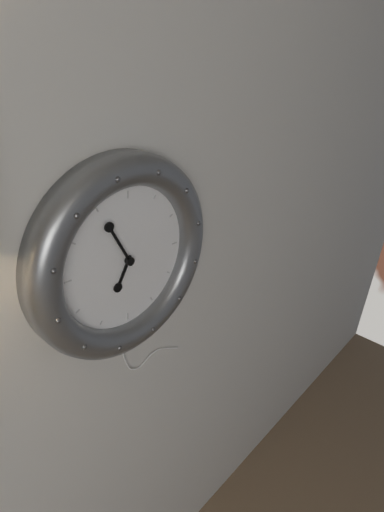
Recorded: h=6 m=55
